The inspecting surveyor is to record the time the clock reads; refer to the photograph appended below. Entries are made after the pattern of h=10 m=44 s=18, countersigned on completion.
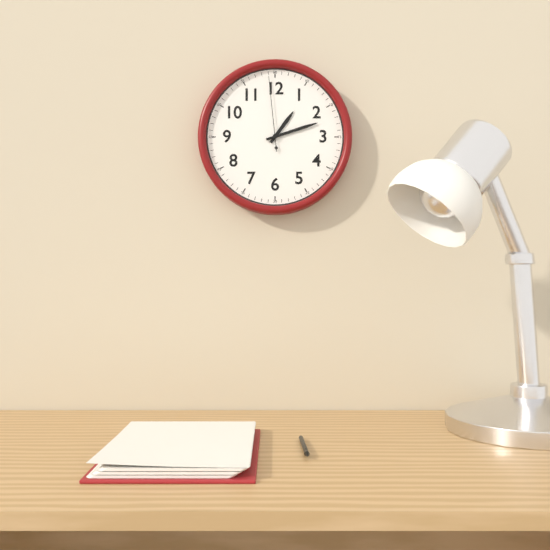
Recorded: h=1 m=12 s=59
